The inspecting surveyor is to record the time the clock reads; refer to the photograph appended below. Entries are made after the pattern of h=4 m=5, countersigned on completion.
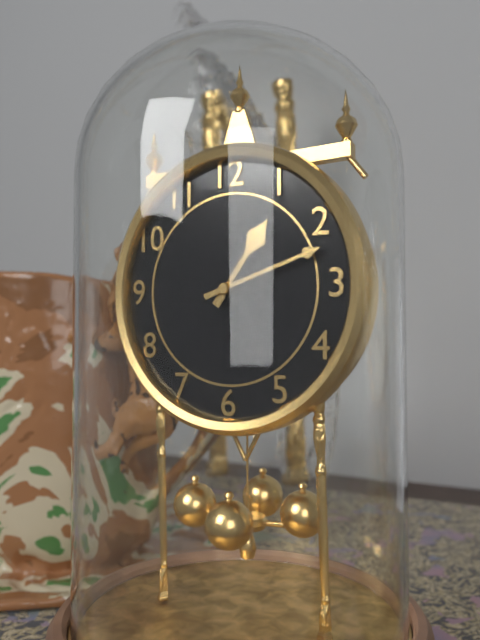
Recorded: h=1 m=12
